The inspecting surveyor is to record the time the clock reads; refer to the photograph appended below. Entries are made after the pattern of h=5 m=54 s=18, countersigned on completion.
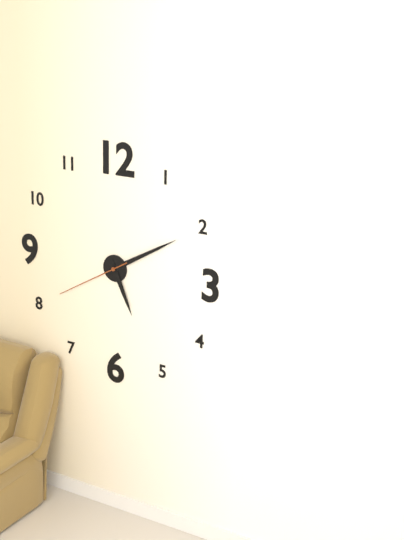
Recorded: h=5 m=10 s=40
